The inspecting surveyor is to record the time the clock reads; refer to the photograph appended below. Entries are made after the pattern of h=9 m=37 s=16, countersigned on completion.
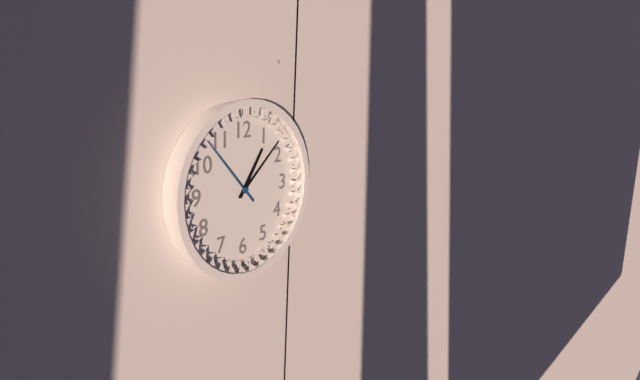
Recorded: h=1 m=8 s=53
